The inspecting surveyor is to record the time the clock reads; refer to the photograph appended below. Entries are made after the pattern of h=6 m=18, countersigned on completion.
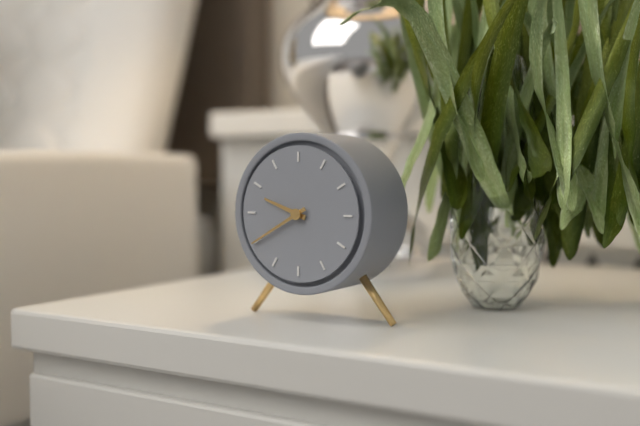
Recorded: h=9 m=40
